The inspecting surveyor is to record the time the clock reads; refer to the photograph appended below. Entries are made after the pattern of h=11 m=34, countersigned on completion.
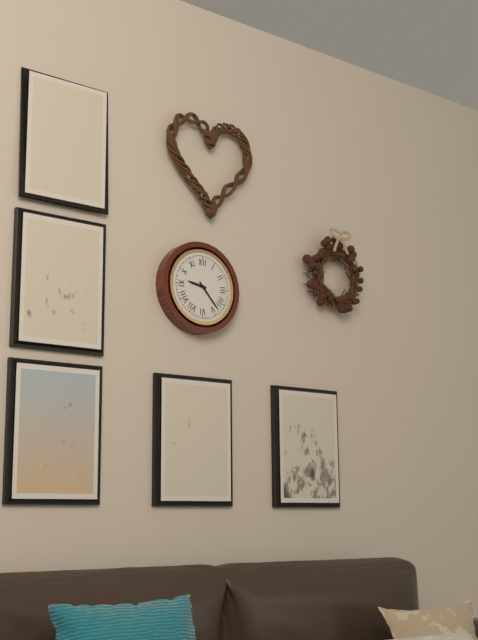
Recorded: h=9 m=23
